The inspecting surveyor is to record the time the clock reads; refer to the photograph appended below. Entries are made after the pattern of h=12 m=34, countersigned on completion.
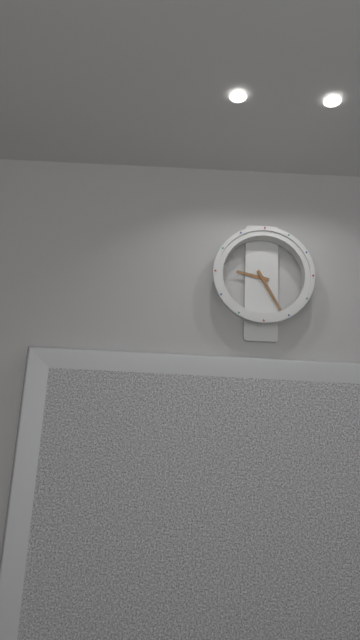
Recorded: h=9 m=25
